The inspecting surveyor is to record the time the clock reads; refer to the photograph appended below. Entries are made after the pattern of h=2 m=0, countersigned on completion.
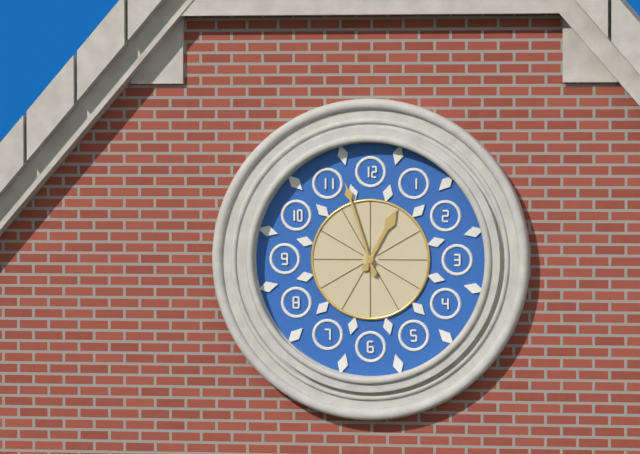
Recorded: h=12 m=57
